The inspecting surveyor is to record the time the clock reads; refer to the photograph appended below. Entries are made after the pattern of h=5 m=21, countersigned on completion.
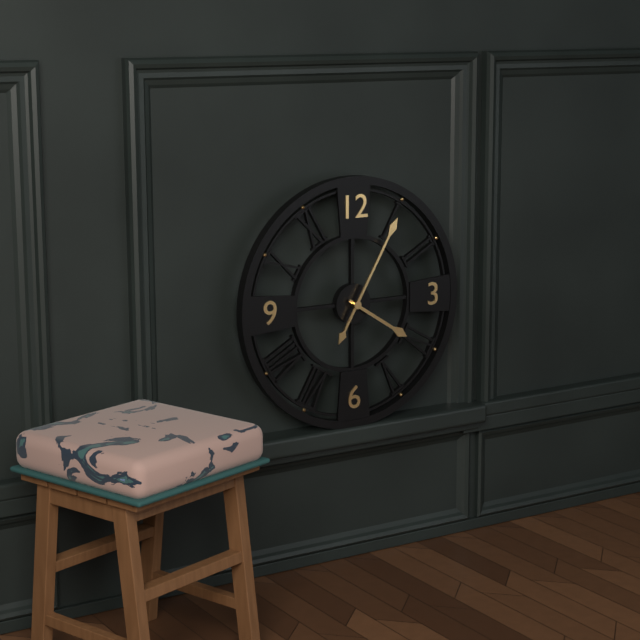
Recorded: h=4 m=5
